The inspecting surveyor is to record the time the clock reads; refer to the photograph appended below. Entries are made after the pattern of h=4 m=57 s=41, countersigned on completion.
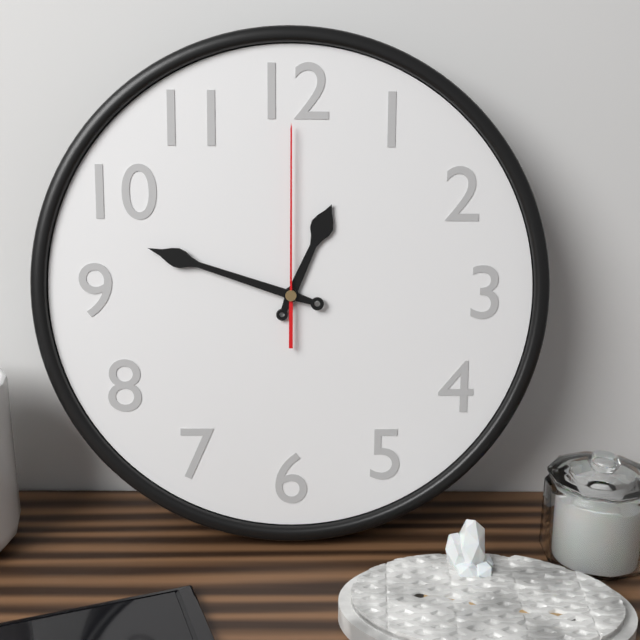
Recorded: h=12 m=48 s=0
